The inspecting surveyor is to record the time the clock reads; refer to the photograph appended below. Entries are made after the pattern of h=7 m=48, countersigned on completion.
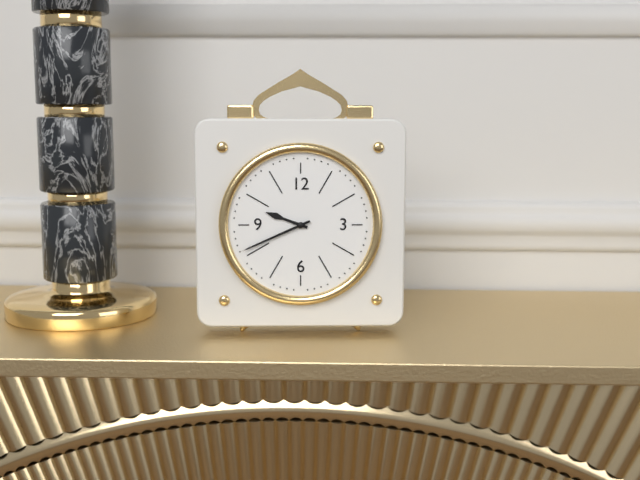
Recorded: h=9 m=41
